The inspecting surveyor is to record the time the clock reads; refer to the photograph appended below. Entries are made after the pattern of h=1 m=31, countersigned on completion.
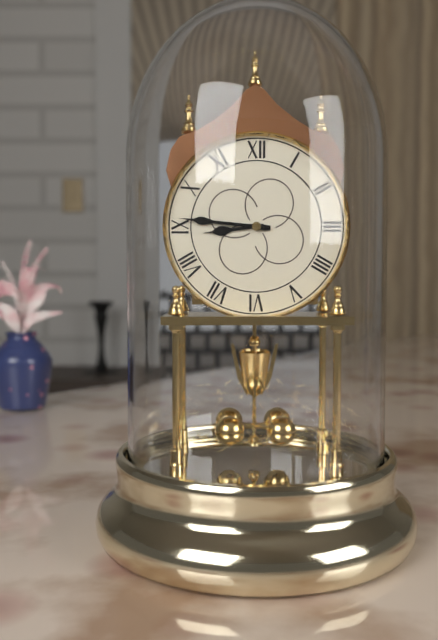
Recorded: h=8 m=46
